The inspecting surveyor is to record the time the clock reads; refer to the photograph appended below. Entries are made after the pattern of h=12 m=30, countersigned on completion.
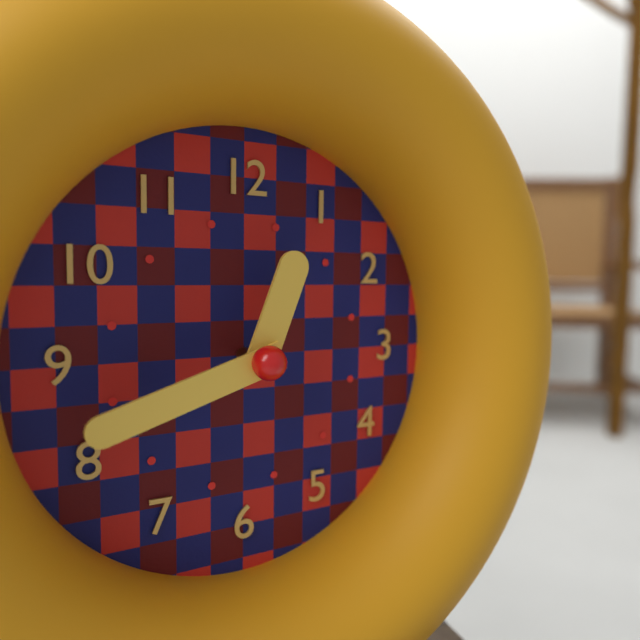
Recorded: h=12 m=42
